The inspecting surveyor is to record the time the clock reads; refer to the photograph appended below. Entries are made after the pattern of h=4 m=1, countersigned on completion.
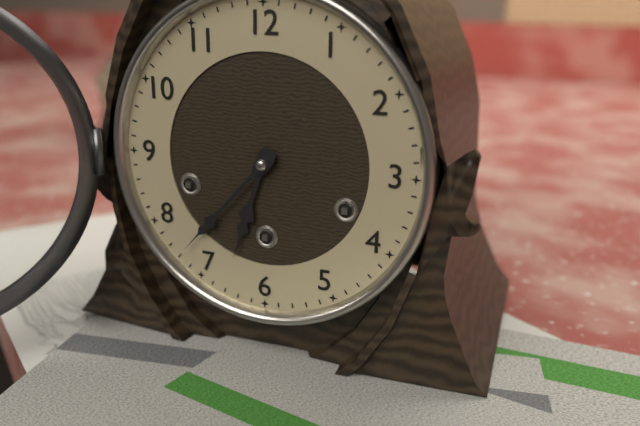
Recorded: h=6 m=37
